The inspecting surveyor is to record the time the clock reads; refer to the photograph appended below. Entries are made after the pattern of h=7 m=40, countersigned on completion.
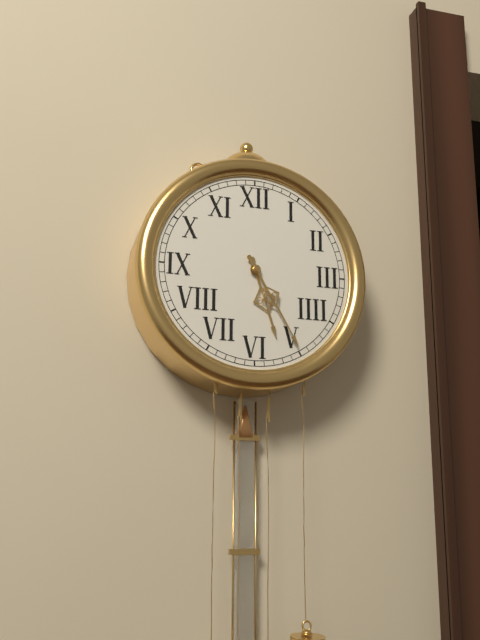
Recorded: h=5 m=25
